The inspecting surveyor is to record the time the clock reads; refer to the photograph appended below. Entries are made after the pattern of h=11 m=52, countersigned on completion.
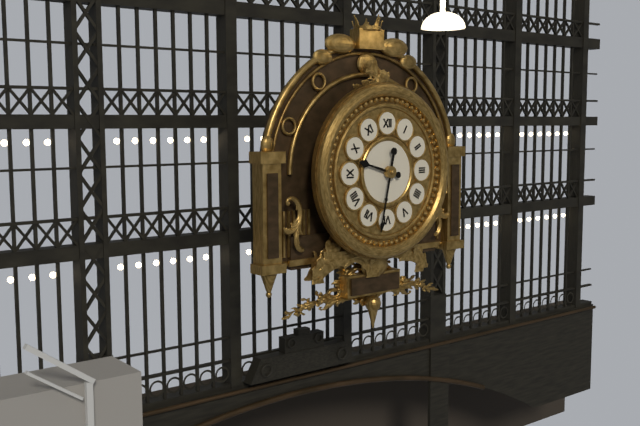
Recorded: h=9 m=32
